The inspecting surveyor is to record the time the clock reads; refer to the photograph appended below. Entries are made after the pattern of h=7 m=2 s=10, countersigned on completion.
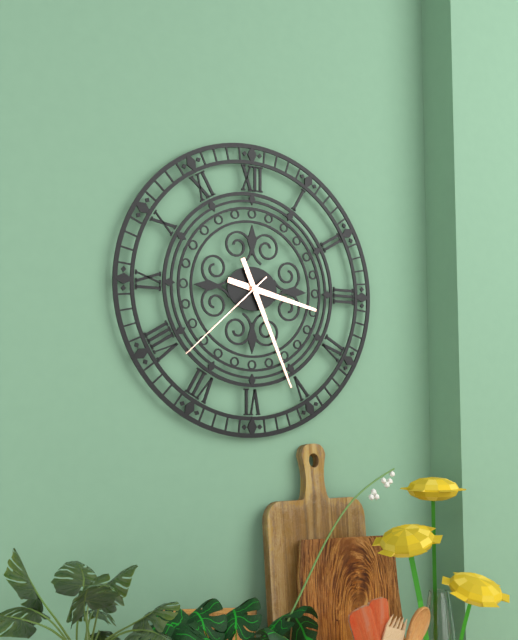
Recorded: h=3 m=26 s=38
